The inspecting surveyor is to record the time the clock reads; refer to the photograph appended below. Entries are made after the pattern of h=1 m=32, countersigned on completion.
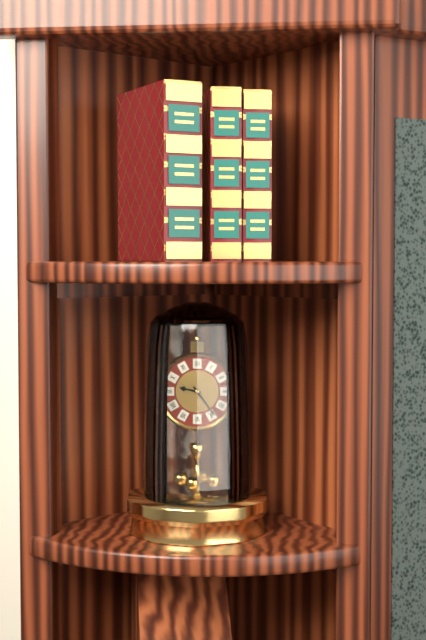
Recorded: h=9 m=24
